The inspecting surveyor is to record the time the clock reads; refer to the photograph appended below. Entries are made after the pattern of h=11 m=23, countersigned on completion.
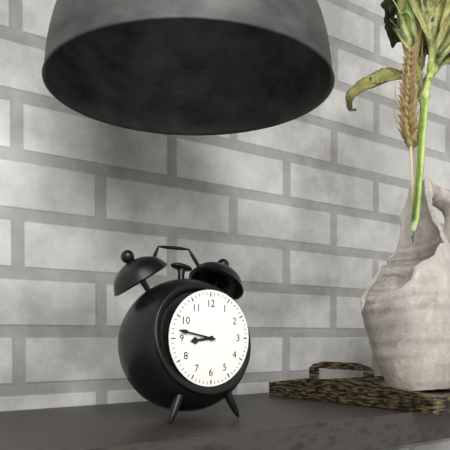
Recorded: h=8 m=47
